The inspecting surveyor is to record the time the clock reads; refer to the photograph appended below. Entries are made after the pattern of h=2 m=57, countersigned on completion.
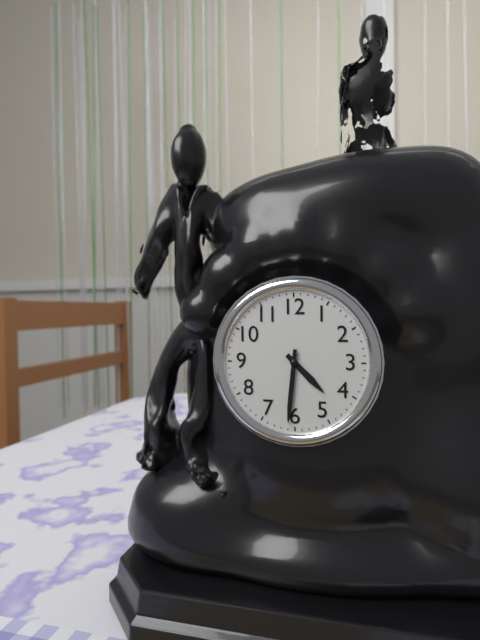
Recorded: h=4 m=31
